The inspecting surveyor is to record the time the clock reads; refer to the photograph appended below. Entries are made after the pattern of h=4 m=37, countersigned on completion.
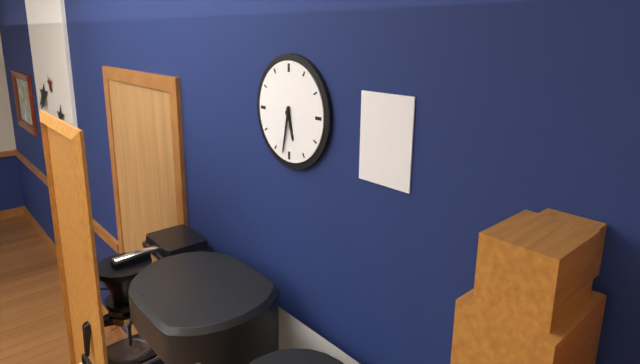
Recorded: h=5 m=32
